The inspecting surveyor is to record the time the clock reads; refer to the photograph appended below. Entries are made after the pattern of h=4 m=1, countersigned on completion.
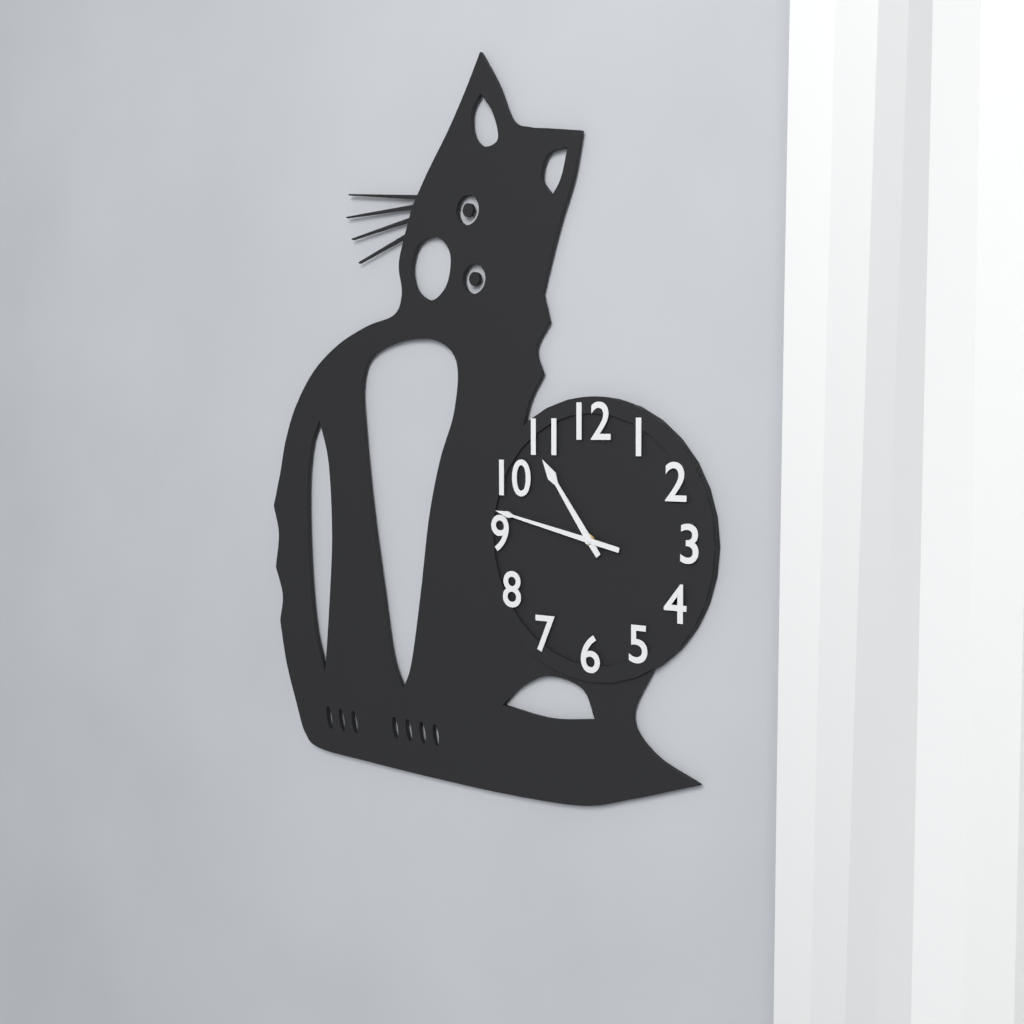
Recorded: h=10 m=47
